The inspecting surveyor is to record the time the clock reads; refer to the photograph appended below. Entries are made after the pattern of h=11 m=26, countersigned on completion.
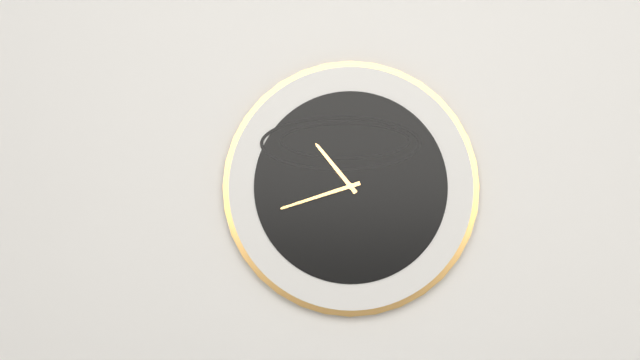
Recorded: h=10 m=42
